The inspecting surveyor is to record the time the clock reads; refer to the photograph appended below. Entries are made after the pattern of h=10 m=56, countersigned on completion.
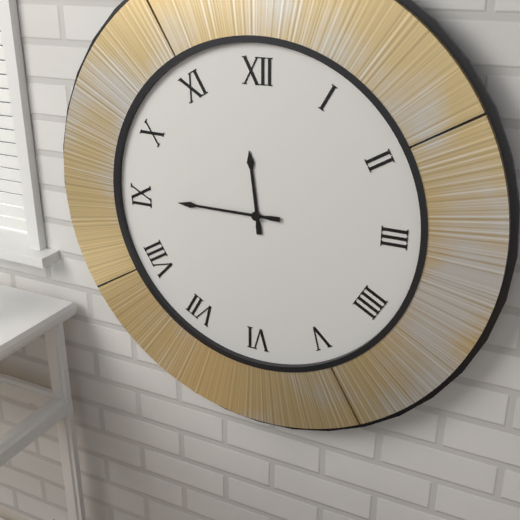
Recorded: h=11 m=45
